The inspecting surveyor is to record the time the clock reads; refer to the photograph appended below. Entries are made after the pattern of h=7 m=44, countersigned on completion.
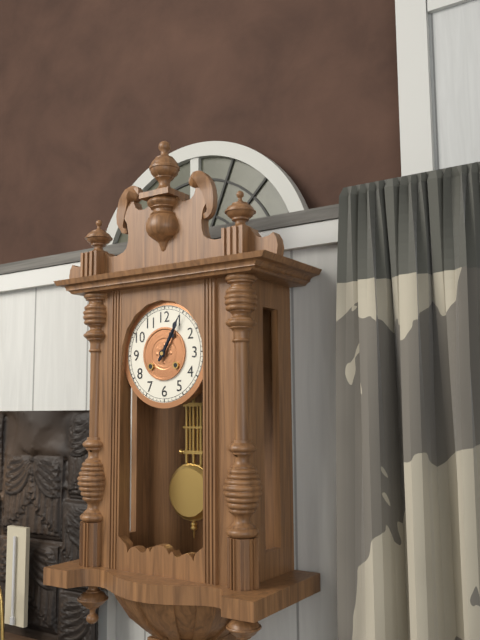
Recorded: h=1 m=5
